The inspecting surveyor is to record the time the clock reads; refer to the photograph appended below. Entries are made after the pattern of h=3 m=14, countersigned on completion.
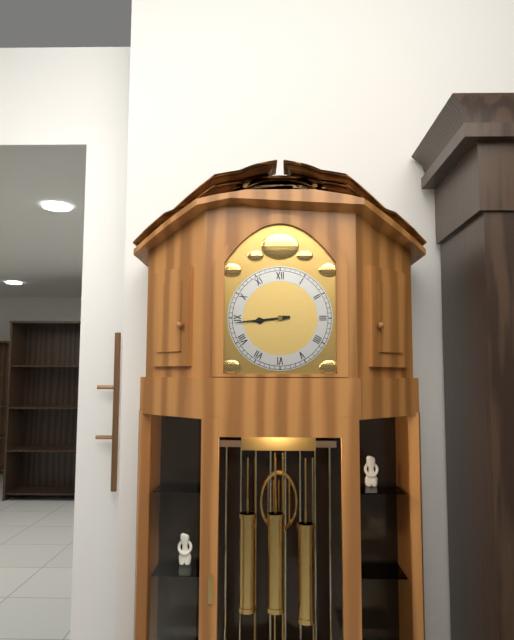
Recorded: h=8 m=44
